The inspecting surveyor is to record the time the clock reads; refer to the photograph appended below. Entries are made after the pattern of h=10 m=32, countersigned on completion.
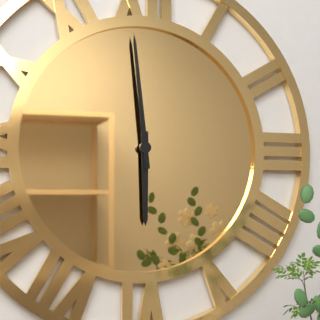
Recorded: h=5 m=59
